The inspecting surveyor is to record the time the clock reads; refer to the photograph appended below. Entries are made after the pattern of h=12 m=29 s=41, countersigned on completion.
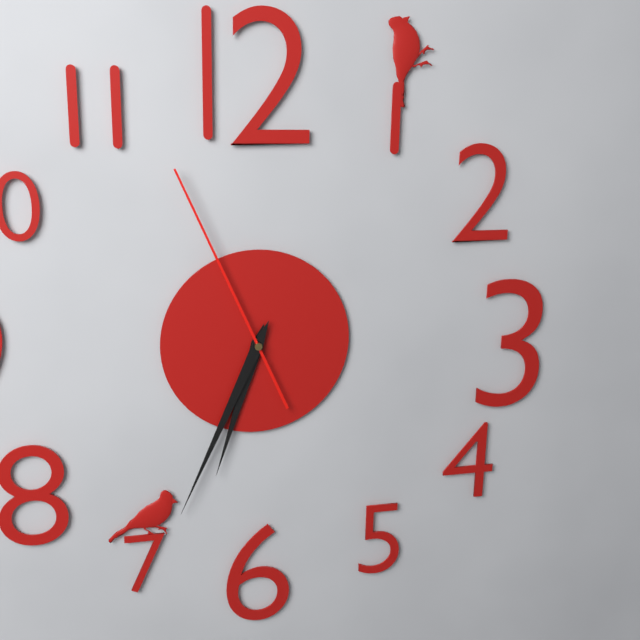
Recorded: h=6 m=34 s=56
